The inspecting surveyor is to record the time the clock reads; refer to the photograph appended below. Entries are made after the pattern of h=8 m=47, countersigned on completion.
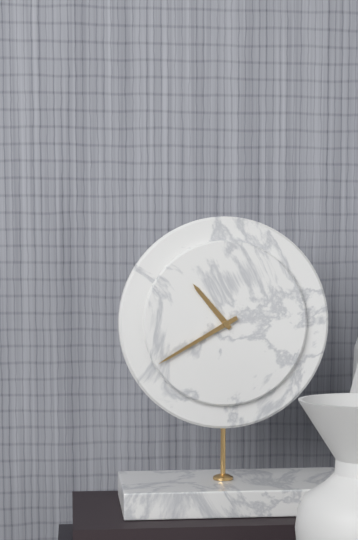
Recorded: h=10 m=40
